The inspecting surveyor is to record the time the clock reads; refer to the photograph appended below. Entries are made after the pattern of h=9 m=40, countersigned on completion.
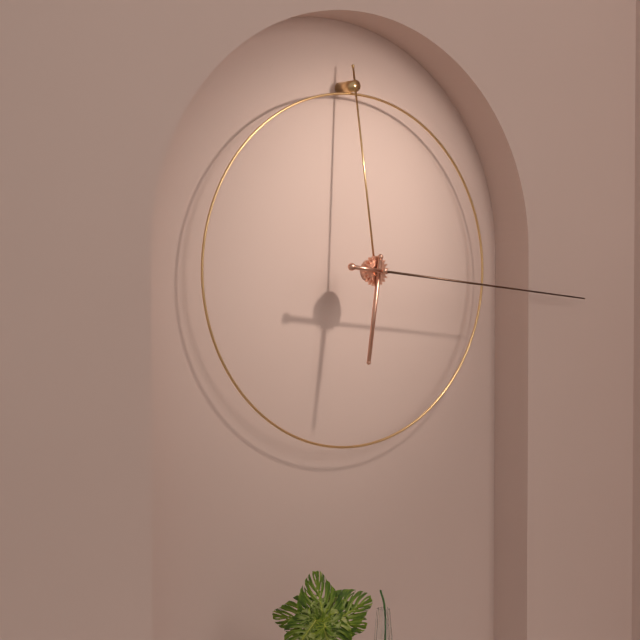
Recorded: h=6 m=16
